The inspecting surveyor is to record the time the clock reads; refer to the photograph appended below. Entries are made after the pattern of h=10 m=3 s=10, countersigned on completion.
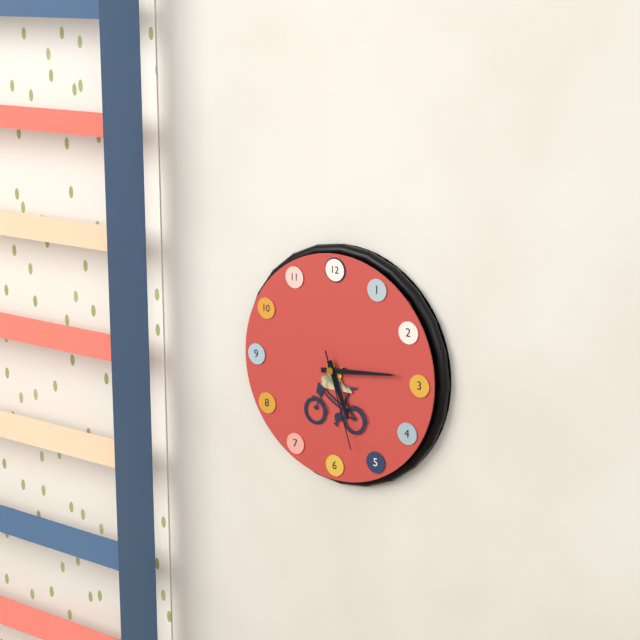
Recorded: h=5 m=14 s=27
